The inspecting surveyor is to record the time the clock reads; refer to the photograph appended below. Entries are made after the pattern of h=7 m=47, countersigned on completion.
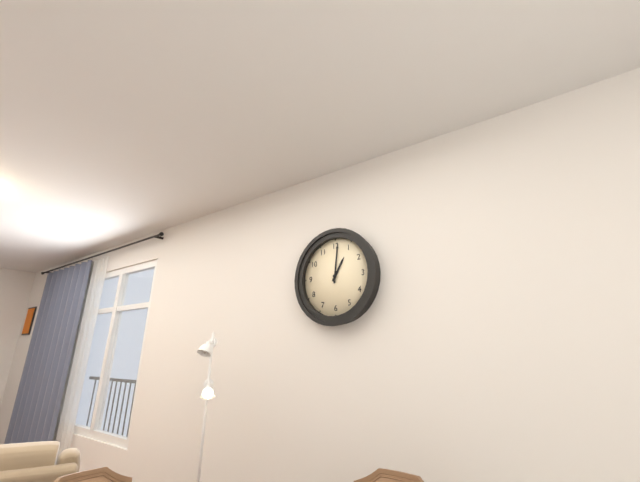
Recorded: h=1 m=1
